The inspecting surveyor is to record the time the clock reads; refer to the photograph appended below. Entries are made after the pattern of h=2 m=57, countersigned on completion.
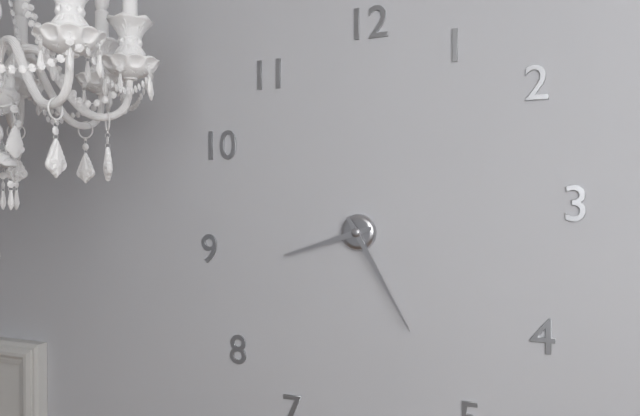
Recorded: h=8 m=25
